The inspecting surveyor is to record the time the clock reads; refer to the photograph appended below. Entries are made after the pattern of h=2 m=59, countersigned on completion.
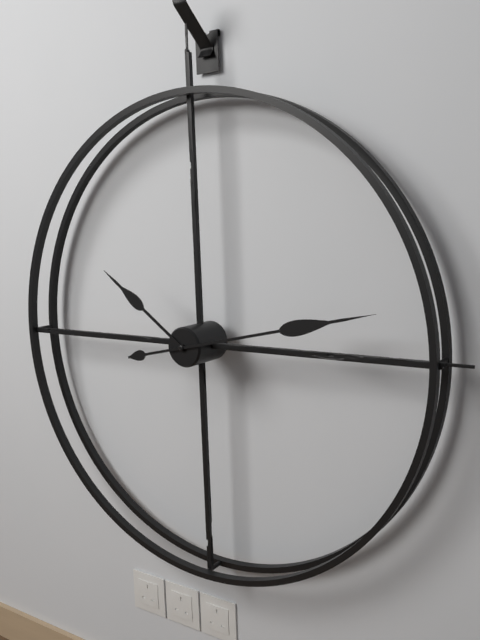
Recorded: h=10 m=13
